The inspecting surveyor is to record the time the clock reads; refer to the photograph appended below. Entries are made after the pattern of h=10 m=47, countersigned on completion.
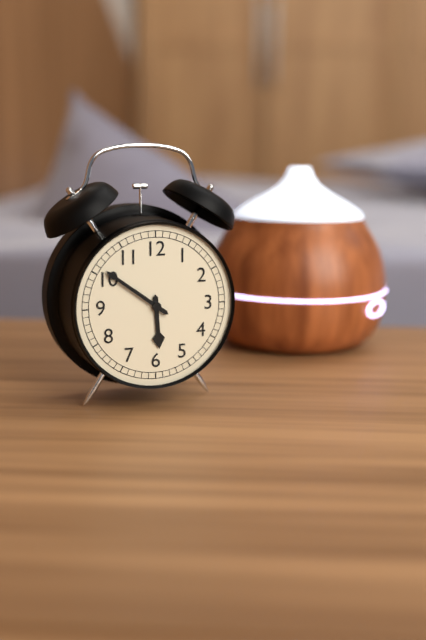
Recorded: h=5 m=51
